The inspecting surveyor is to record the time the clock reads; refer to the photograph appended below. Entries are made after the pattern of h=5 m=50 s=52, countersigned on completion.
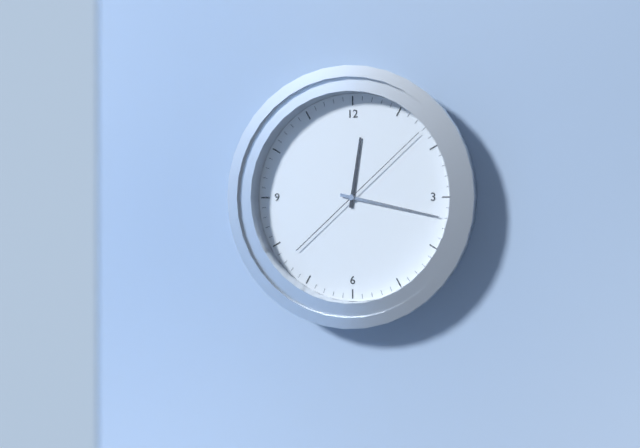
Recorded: h=12 m=17 s=8
